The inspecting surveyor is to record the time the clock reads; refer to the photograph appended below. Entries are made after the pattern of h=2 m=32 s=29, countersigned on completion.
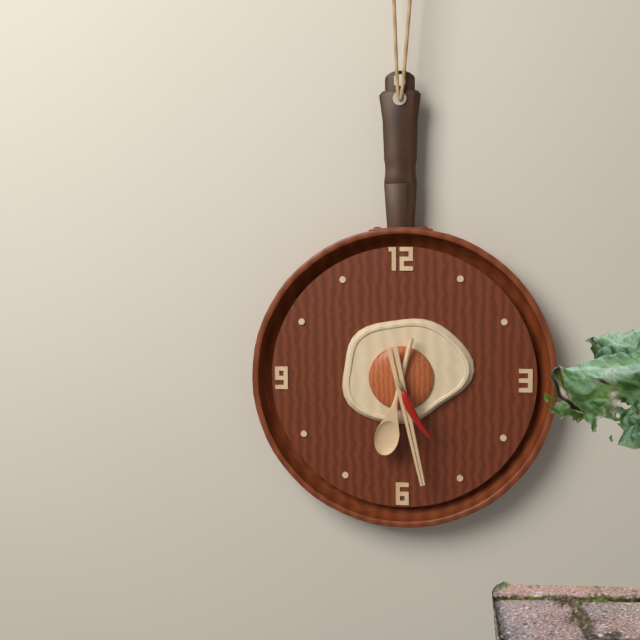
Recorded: h=6 m=28 s=25
